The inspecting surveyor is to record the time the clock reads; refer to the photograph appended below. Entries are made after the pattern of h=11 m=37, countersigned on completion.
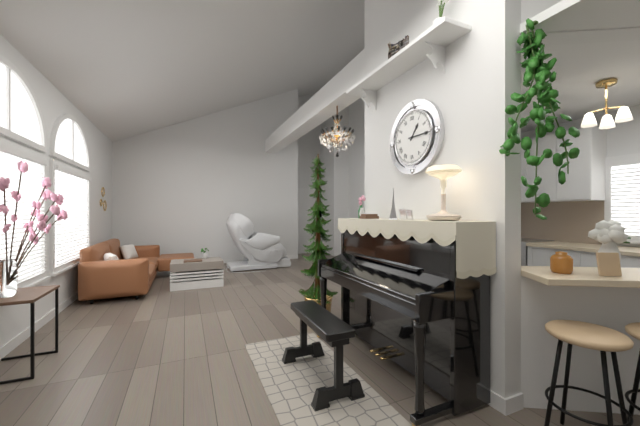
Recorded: h=1 m=15
